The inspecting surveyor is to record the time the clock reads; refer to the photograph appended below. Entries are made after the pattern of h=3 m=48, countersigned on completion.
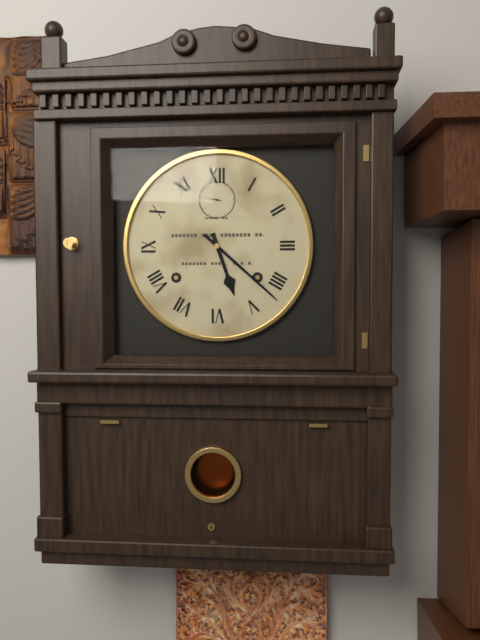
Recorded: h=5 m=22
